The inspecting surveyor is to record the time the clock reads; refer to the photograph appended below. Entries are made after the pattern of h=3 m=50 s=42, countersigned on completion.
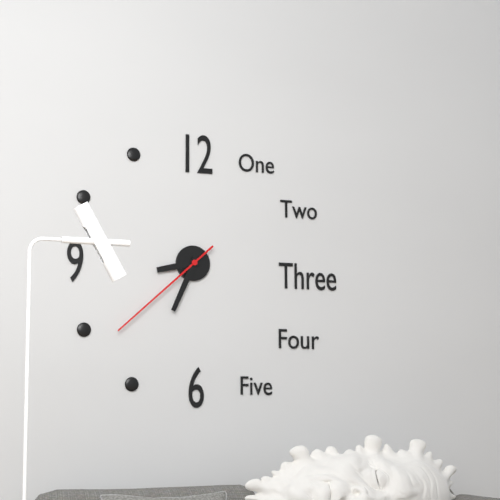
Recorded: h=8 m=34 s=38
